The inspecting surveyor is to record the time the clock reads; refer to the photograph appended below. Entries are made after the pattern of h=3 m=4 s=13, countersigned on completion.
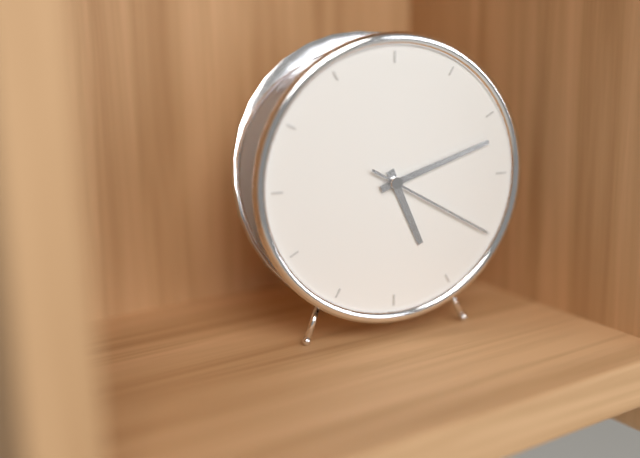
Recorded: h=5 m=12 s=20
